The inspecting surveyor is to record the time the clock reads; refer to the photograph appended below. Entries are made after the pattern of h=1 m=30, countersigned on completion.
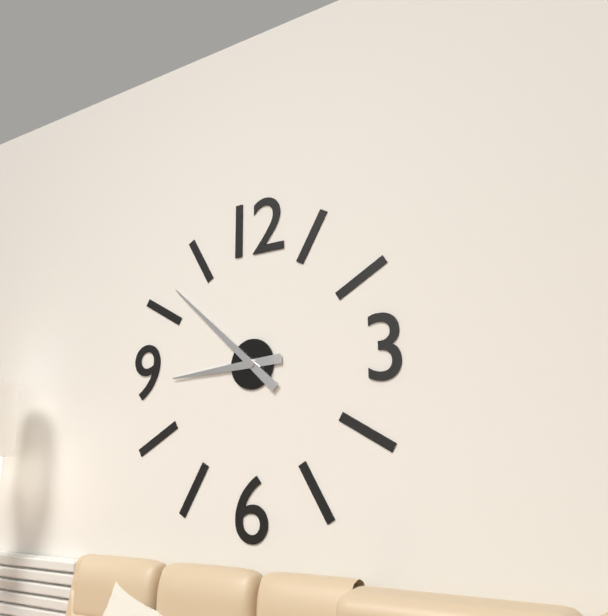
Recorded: h=8 m=52
